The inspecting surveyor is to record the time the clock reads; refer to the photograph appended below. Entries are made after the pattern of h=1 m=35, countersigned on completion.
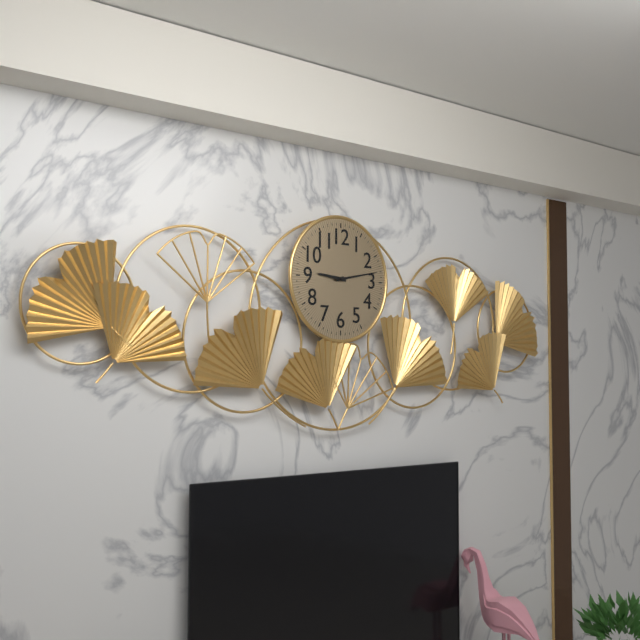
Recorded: h=9 m=13
